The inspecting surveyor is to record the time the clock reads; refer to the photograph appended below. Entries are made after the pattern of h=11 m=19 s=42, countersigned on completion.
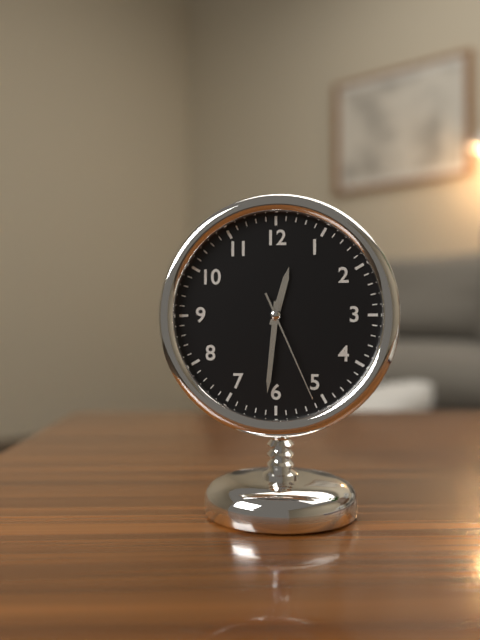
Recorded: h=12 m=31 s=26
